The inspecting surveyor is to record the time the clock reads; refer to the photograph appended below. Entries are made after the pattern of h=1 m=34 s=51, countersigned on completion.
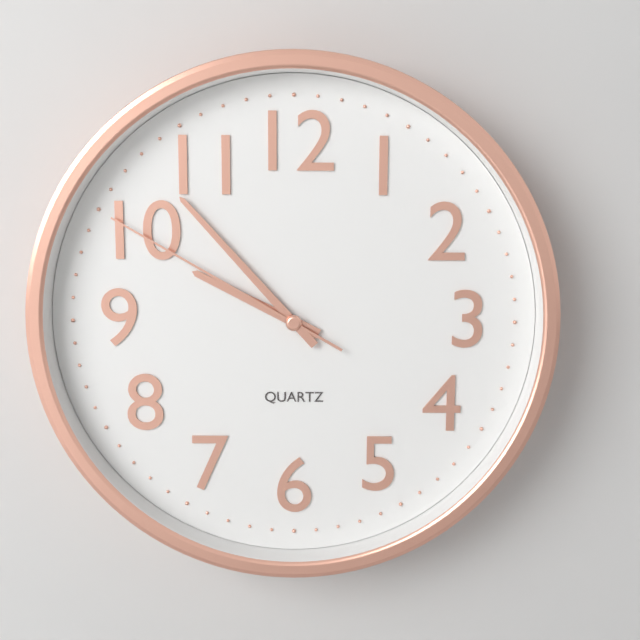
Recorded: h=9 m=53 s=50
